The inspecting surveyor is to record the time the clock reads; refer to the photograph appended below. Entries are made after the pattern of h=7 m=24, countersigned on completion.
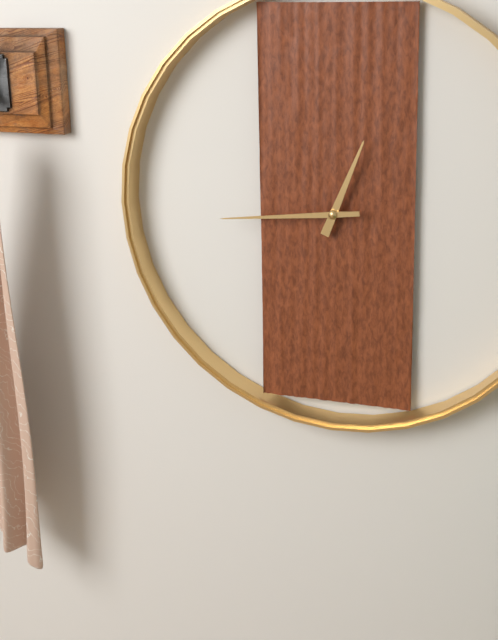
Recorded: h=12 m=44
